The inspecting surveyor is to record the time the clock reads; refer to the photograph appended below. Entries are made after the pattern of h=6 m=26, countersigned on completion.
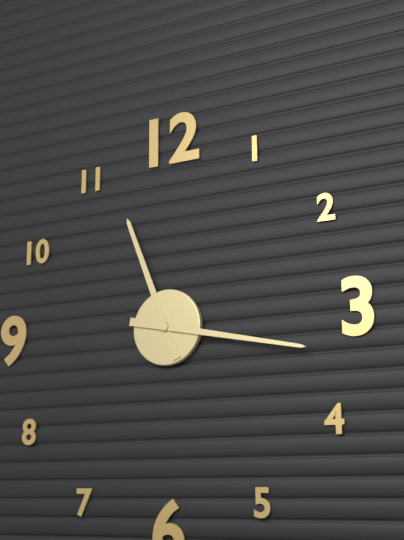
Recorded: h=11 m=17
